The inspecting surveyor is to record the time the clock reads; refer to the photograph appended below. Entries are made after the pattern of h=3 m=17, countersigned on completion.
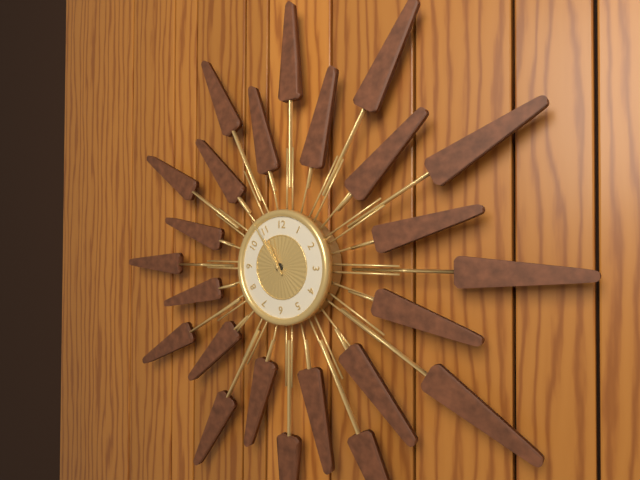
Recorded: h=10 m=54
